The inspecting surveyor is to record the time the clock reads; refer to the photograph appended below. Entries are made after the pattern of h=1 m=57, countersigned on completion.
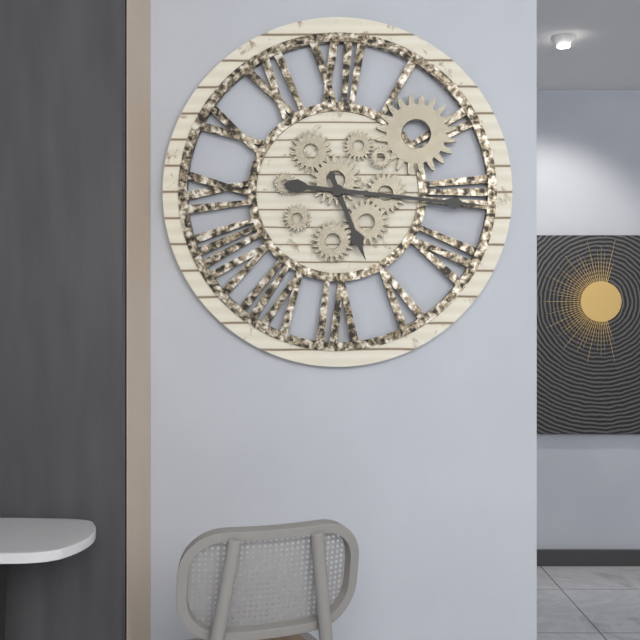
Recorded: h=5 m=16
